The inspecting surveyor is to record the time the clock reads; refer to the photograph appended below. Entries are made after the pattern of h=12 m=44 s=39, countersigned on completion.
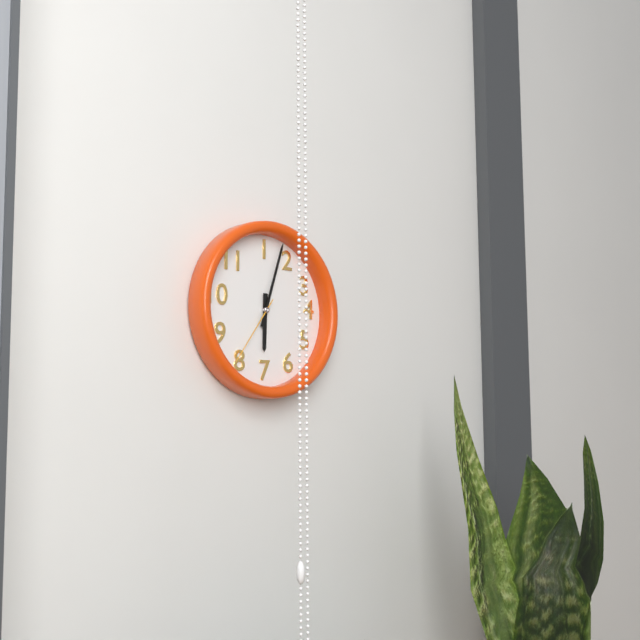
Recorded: h=6 m=3 s=36
